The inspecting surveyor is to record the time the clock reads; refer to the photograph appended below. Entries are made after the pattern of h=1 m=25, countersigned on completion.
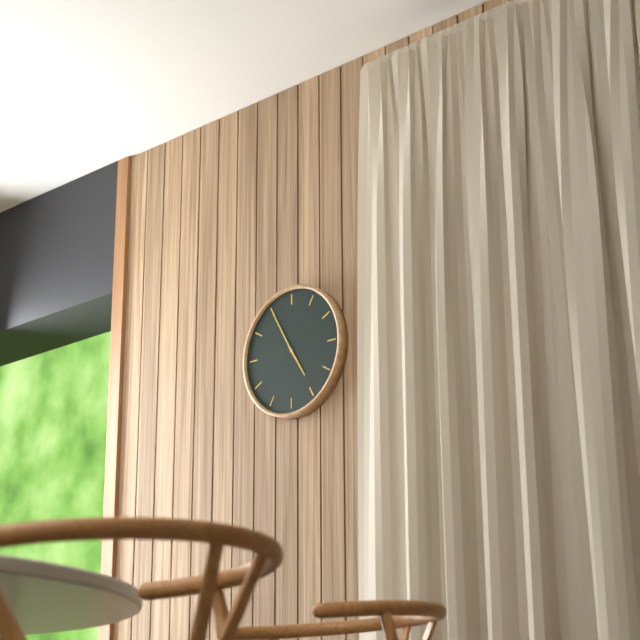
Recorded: h=4 m=55
